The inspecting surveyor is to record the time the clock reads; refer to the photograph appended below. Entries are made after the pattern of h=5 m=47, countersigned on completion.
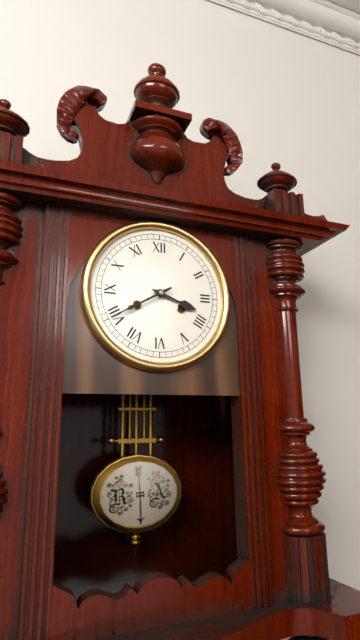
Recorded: h=3 m=40
